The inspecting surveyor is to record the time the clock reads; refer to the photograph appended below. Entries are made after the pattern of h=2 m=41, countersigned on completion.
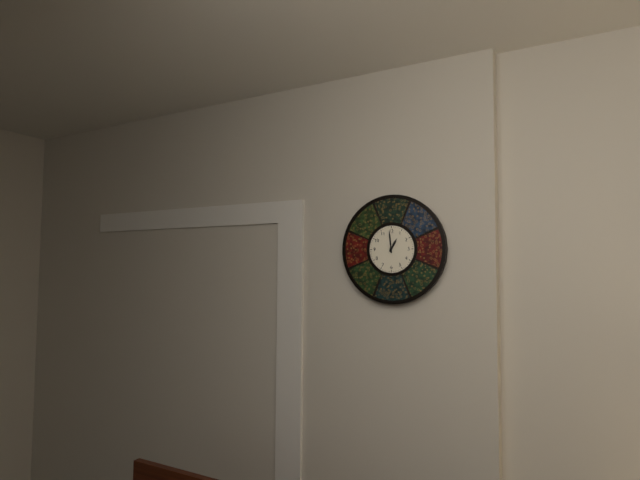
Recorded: h=12 m=59
